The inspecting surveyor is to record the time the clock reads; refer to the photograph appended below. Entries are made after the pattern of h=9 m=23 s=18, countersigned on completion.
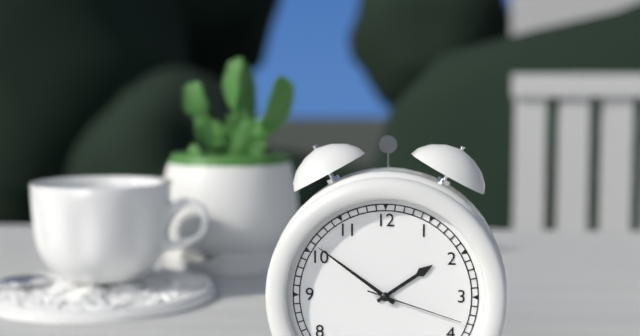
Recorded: h=1 m=51 s=18
